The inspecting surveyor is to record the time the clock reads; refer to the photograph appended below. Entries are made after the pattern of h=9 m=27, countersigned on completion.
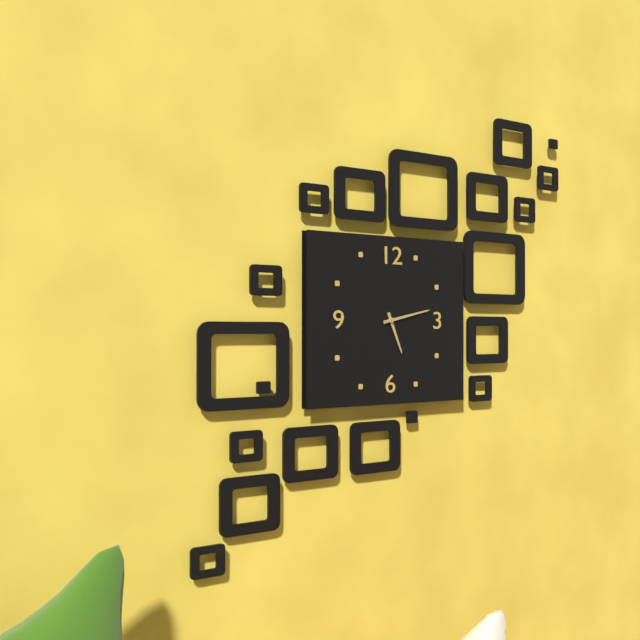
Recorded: h=5 m=13
